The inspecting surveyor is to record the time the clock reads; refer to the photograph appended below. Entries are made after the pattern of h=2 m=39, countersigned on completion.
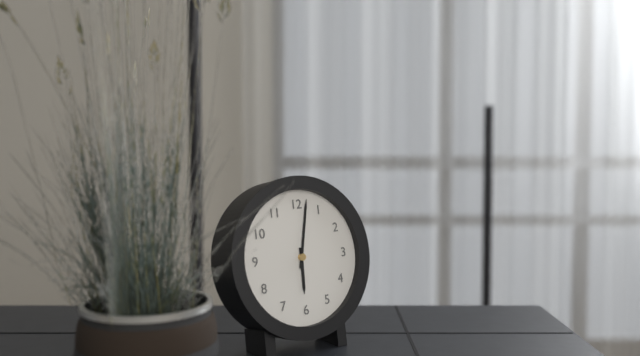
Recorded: h=6 m=2
